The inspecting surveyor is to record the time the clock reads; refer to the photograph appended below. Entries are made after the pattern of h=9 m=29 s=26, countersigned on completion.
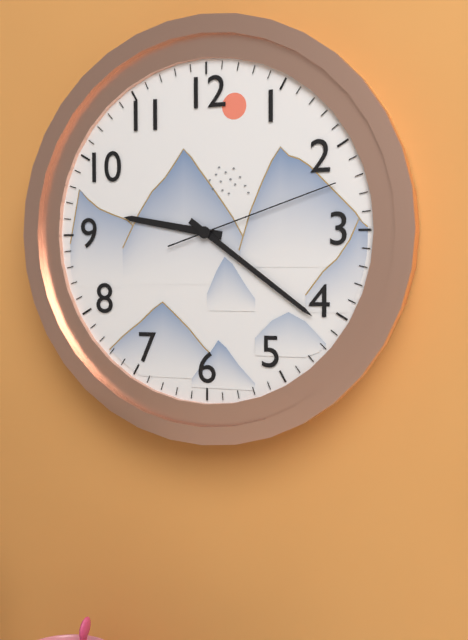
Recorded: h=9 m=21 s=12
